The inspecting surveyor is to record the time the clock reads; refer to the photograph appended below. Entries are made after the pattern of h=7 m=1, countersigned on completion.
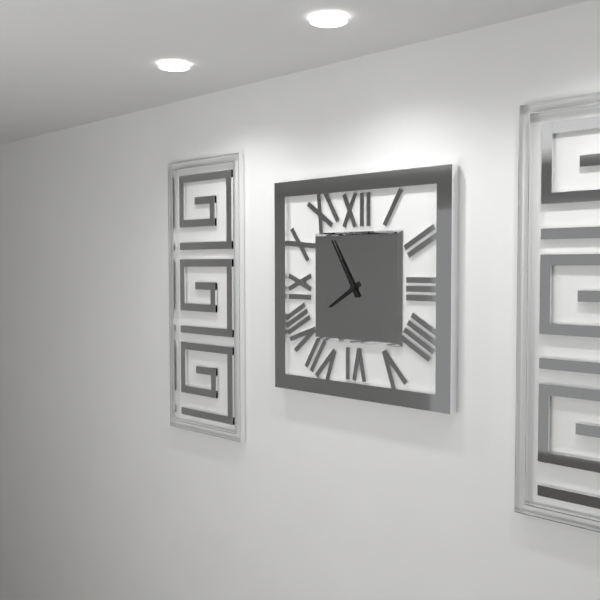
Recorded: h=7 m=55
